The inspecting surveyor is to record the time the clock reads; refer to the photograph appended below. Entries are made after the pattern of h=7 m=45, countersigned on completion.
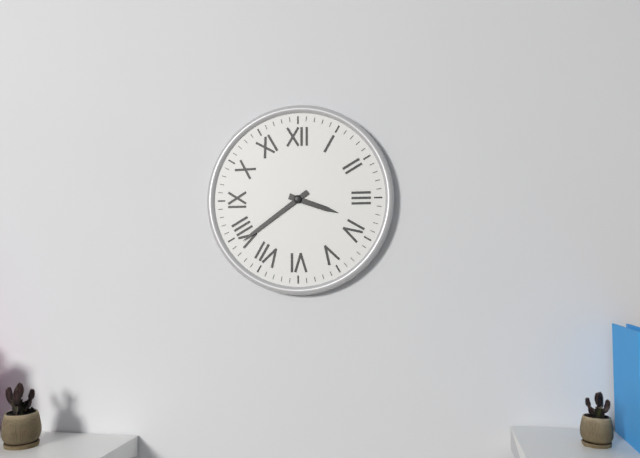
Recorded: h=3 m=39
